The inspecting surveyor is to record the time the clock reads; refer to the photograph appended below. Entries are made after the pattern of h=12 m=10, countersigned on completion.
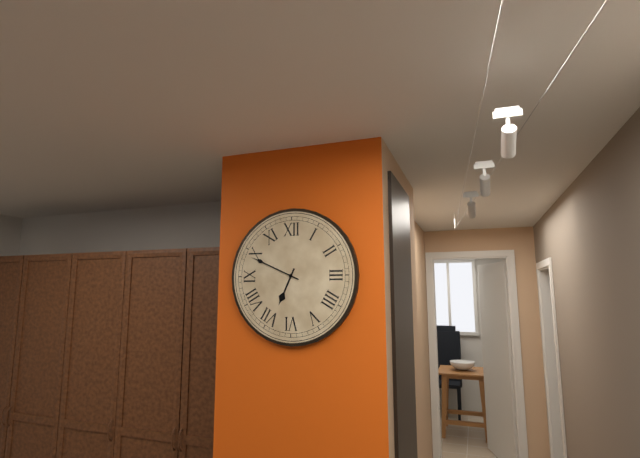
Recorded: h=6 m=49
